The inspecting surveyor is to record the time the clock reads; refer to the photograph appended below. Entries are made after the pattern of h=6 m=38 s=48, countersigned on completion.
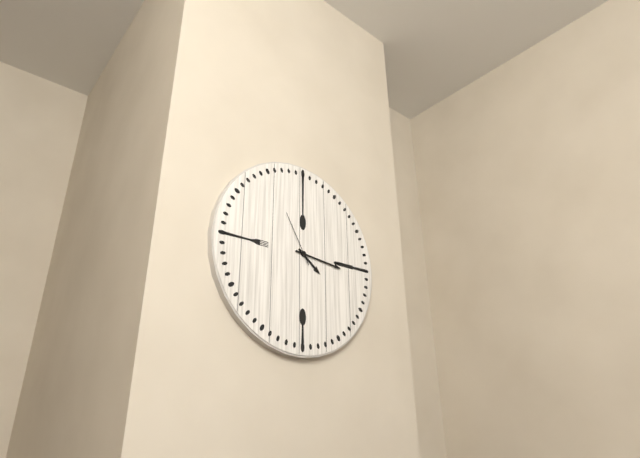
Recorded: h=4 m=16 s=55
